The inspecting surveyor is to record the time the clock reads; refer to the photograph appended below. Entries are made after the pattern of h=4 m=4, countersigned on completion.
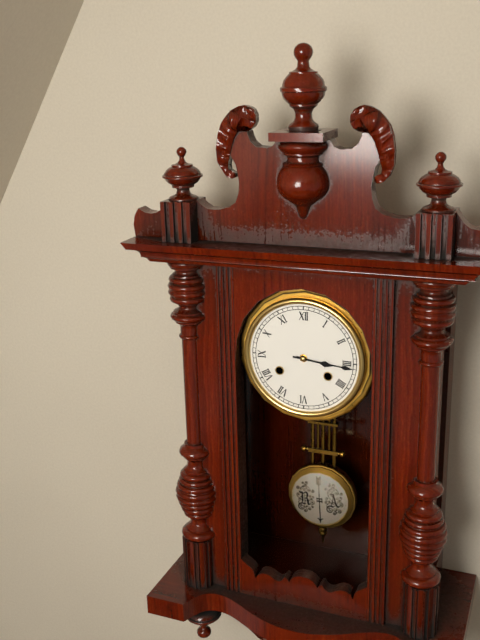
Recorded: h=3 m=16
